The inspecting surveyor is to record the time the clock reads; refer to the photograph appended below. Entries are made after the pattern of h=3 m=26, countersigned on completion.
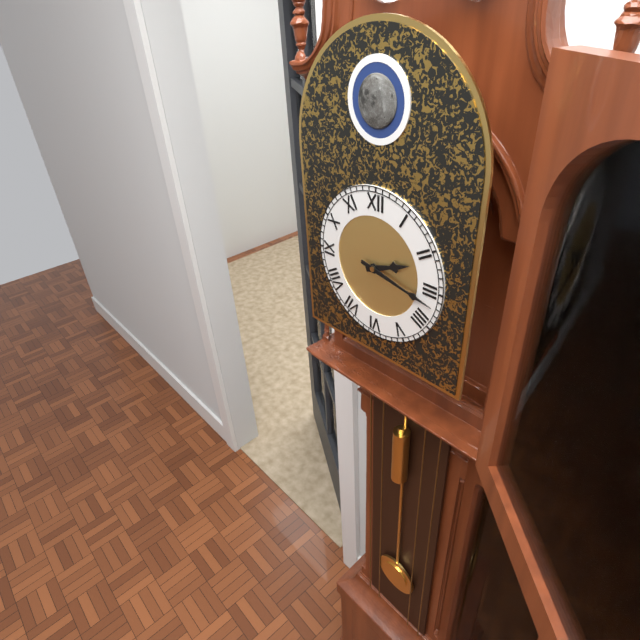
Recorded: h=2 m=17
